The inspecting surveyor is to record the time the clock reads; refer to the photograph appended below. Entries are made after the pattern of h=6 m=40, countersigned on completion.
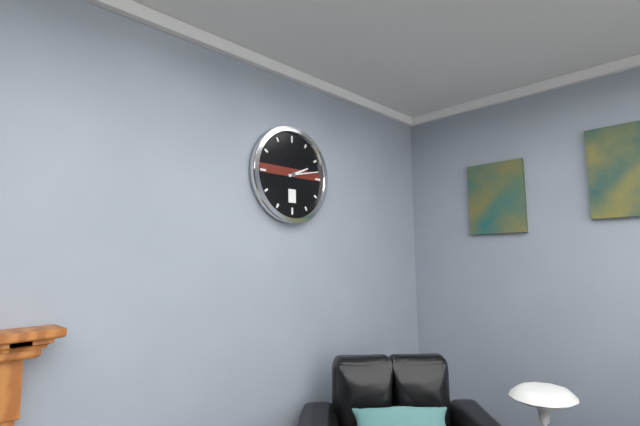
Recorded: h=2 m=13
